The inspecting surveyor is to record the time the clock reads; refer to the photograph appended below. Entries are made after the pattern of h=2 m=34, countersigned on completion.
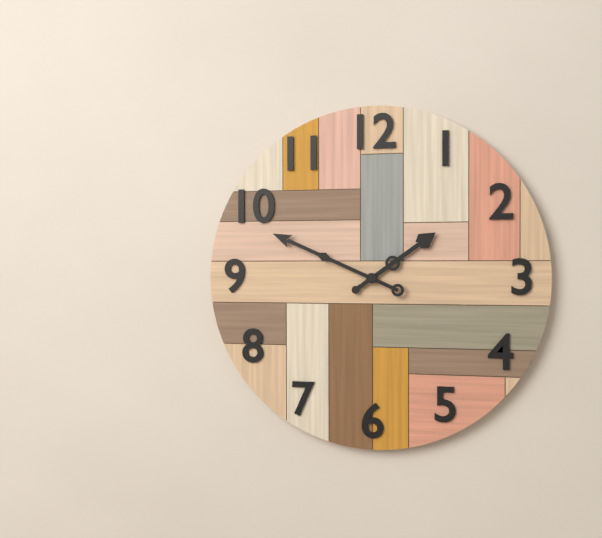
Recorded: h=1 m=49
